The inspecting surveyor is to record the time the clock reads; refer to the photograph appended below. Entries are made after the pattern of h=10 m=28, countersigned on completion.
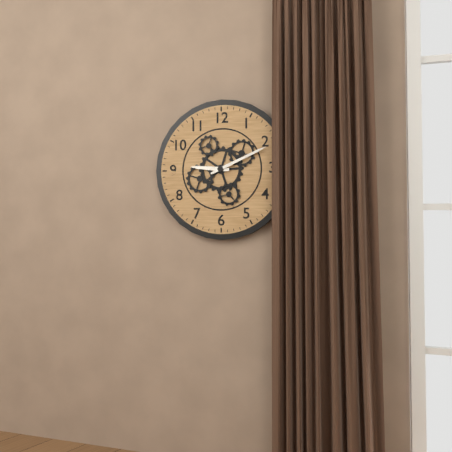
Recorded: h=9 m=11
